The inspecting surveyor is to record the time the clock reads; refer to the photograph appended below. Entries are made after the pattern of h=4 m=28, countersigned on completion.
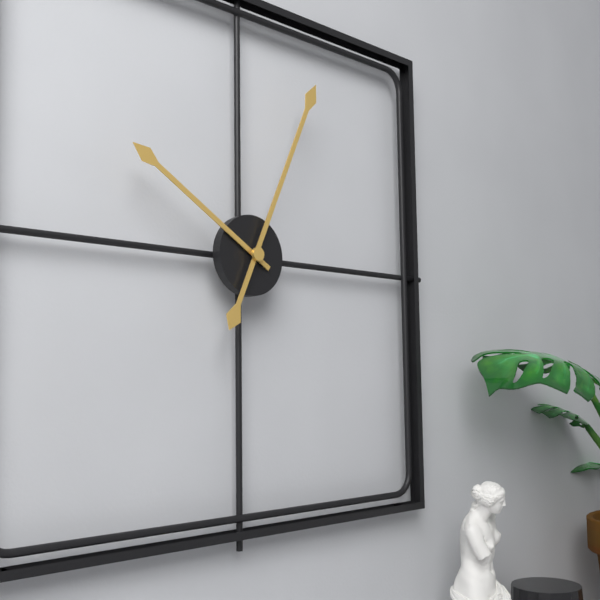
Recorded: h=10 m=4
